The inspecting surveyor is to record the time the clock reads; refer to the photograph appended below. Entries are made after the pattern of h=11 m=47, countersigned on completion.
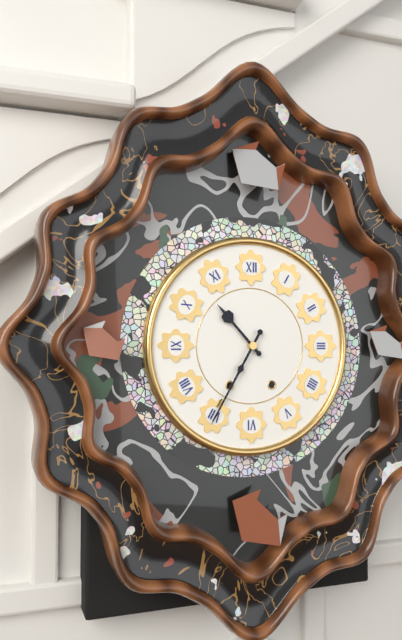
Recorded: h=10 m=35
